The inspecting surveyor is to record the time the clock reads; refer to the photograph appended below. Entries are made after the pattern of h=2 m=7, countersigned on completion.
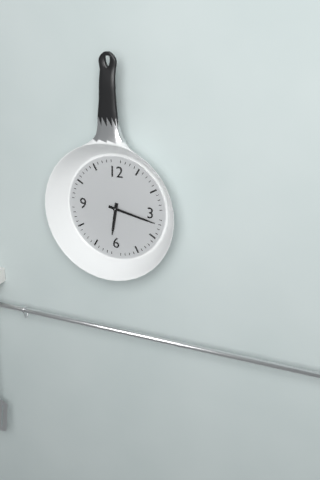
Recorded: h=6 m=17
